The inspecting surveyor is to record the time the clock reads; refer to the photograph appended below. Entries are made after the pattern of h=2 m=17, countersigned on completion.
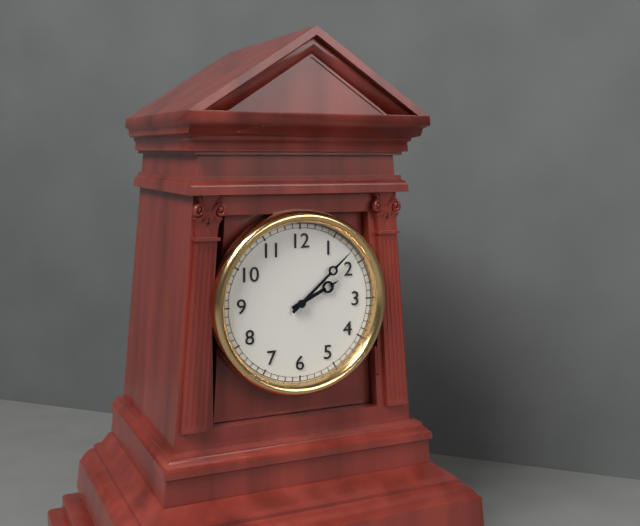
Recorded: h=2 m=8
